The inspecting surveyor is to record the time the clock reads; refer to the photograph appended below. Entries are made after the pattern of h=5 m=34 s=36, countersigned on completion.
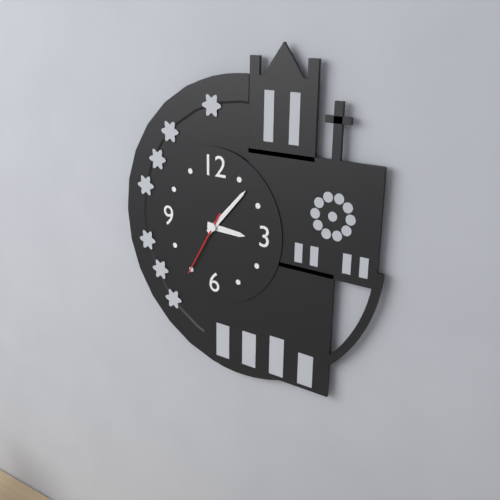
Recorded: h=3 m=7 s=35
